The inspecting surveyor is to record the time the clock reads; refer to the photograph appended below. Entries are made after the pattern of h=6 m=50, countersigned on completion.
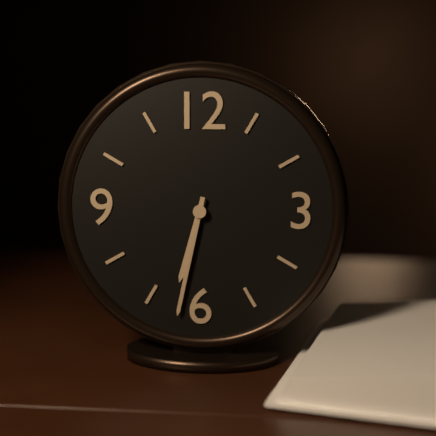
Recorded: h=6 m=32
